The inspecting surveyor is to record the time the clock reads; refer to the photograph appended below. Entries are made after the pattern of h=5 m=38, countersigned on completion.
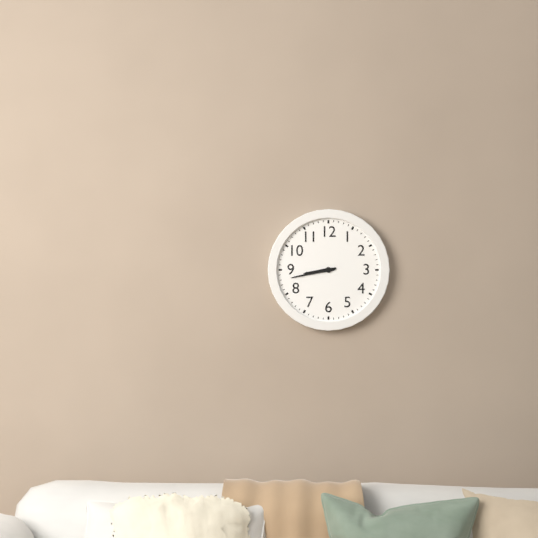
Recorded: h=8 m=43
